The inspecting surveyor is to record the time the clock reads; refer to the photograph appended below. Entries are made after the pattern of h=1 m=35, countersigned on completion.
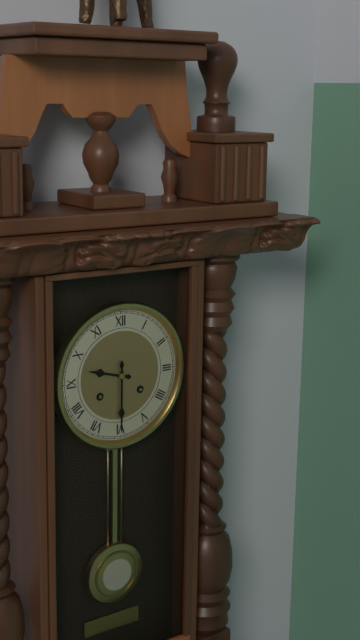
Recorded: h=9 m=30
